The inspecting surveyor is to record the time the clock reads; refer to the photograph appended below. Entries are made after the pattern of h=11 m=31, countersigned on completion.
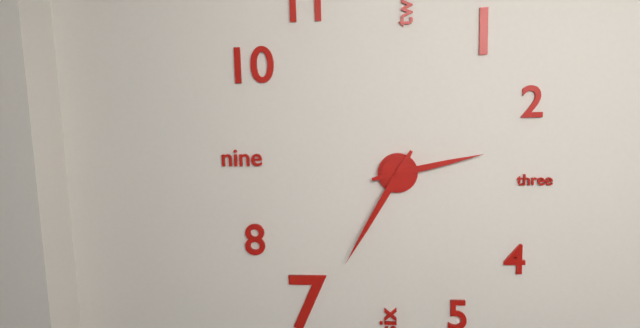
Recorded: h=2 m=35
